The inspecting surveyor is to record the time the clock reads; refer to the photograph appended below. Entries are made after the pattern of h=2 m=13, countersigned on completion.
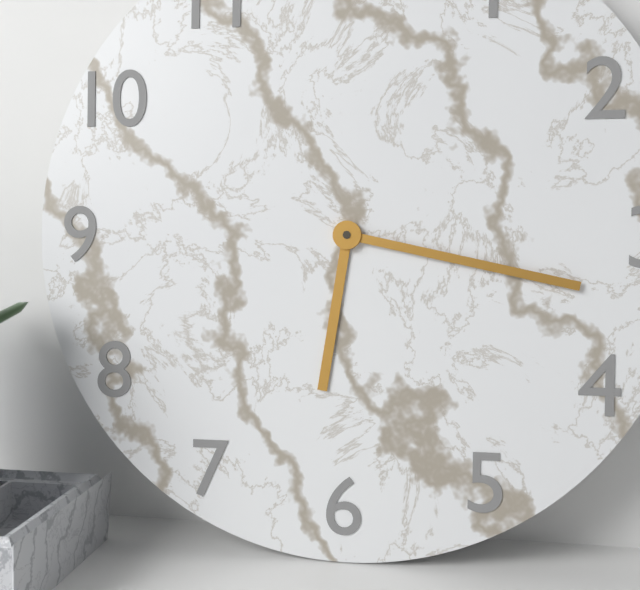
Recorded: h=6 m=17
